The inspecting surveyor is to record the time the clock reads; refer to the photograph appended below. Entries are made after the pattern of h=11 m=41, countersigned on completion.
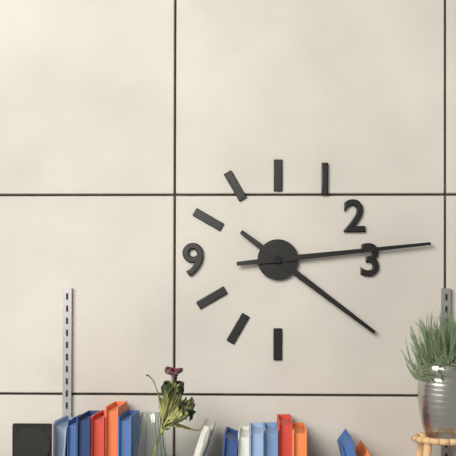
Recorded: h=4 m=14
